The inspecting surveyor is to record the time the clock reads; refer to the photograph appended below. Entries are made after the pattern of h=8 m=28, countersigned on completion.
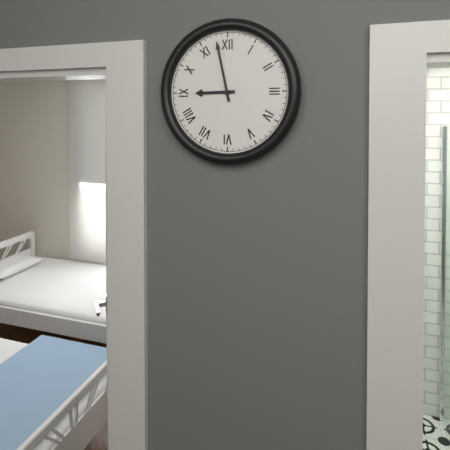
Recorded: h=8 m=58
